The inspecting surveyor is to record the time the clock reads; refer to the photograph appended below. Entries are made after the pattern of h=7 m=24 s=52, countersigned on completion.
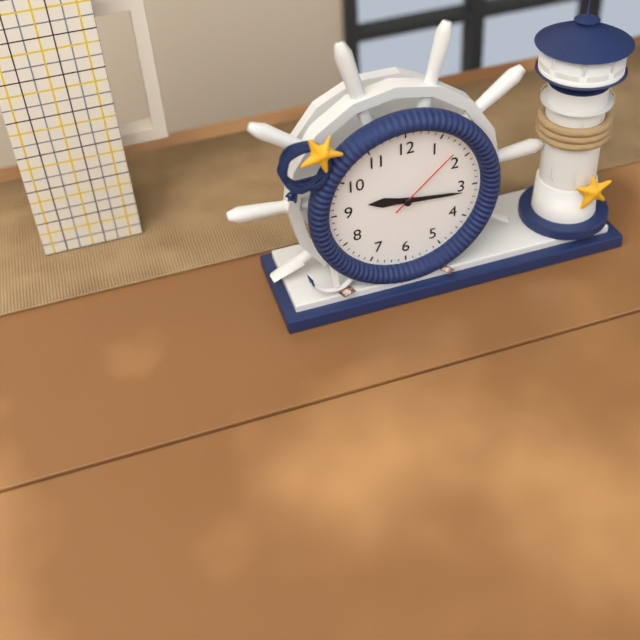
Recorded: h=9 m=16 s=8
